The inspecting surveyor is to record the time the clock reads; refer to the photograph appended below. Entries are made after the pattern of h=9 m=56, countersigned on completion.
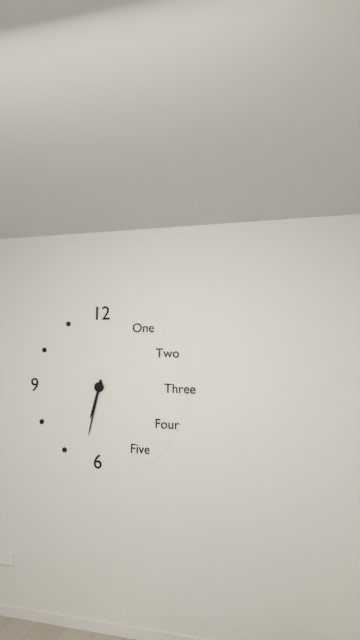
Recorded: h=6 m=32
